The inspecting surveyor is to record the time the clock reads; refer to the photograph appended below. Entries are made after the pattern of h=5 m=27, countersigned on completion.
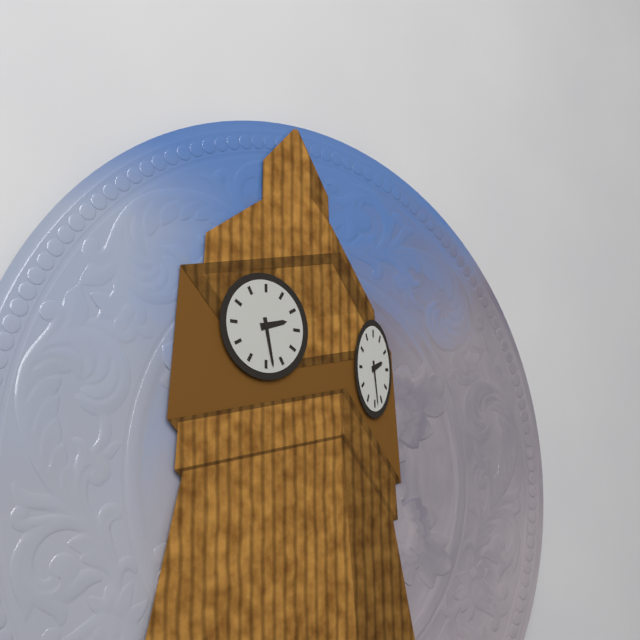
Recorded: h=2 m=28
